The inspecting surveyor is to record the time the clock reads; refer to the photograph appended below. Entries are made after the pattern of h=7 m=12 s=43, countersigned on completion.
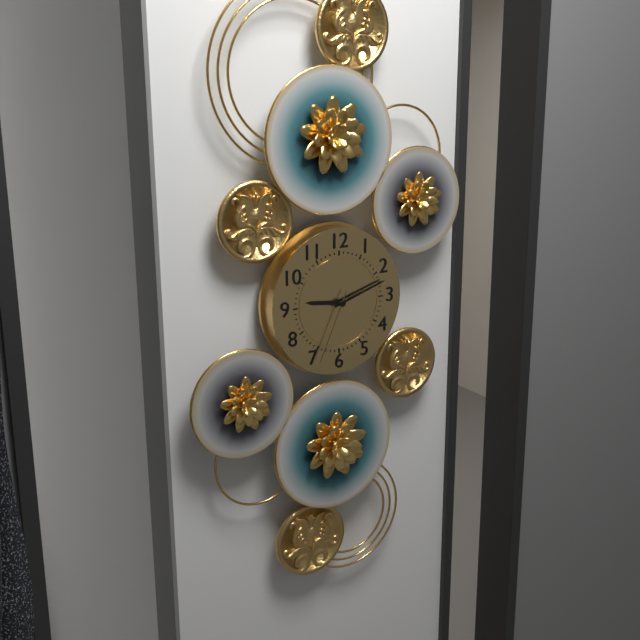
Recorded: h=9 m=12 s=34
